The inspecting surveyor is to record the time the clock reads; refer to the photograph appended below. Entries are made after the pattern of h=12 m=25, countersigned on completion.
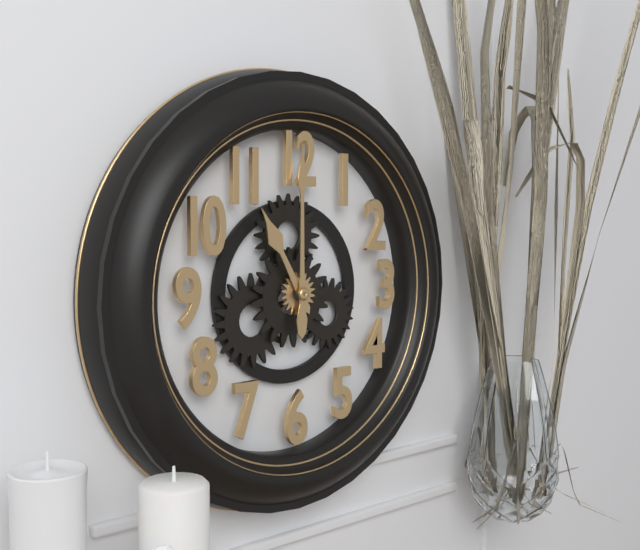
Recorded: h=11 m=0
